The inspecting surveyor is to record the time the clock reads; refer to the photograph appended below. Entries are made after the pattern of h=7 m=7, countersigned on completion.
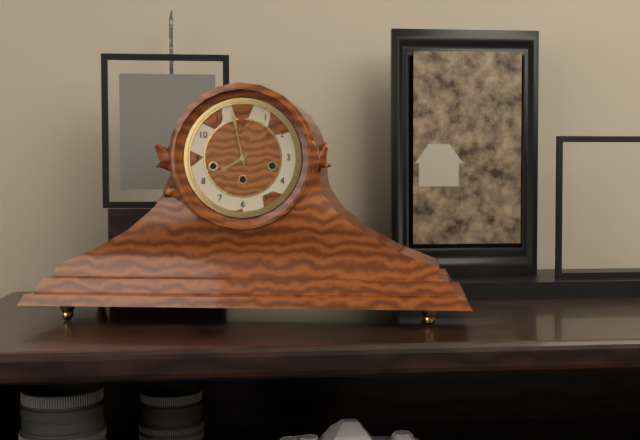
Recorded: h=7 m=58
